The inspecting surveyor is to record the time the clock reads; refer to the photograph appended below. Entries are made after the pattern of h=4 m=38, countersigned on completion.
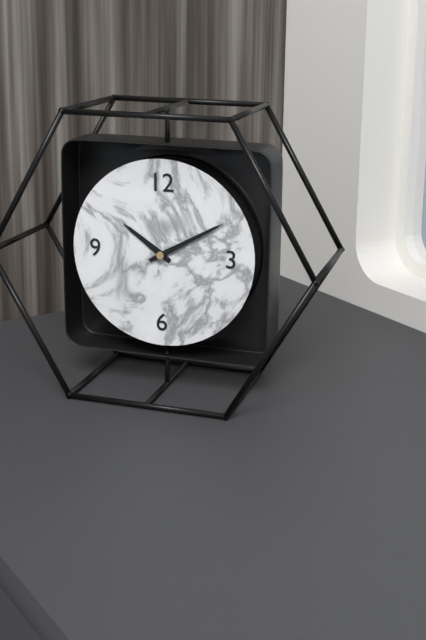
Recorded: h=10 m=10
